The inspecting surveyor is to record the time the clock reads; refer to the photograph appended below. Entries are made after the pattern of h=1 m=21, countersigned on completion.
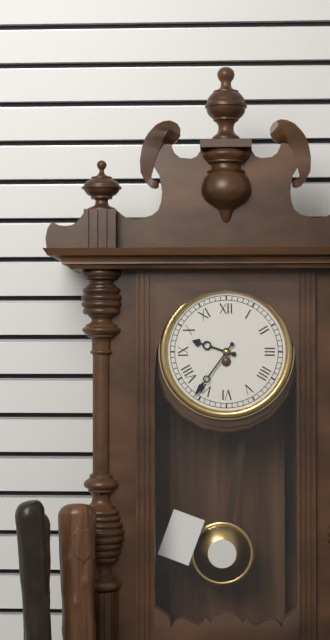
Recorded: h=9 m=36
